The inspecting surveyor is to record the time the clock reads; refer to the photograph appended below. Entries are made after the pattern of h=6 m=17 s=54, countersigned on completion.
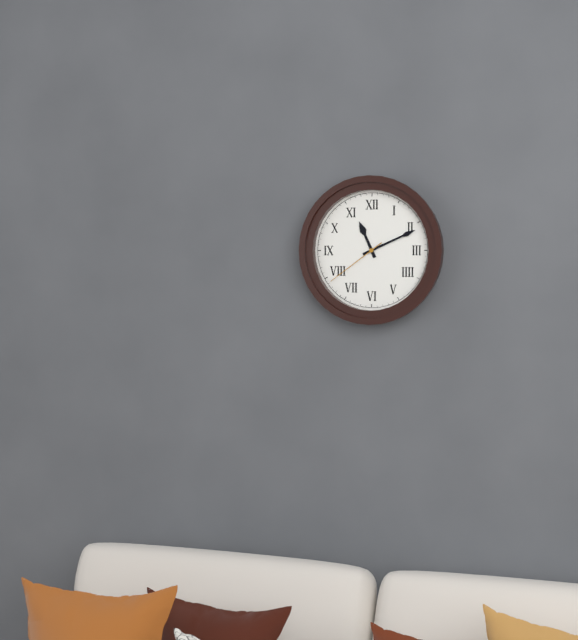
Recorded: h=11 m=11 s=39
